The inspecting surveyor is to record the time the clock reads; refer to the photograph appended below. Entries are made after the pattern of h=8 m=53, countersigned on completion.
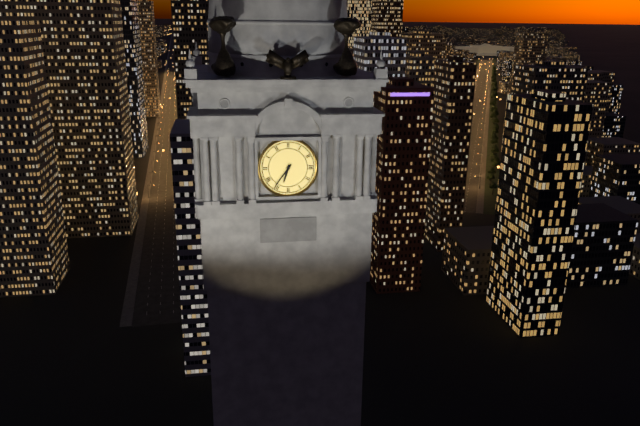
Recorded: h=6 m=36
